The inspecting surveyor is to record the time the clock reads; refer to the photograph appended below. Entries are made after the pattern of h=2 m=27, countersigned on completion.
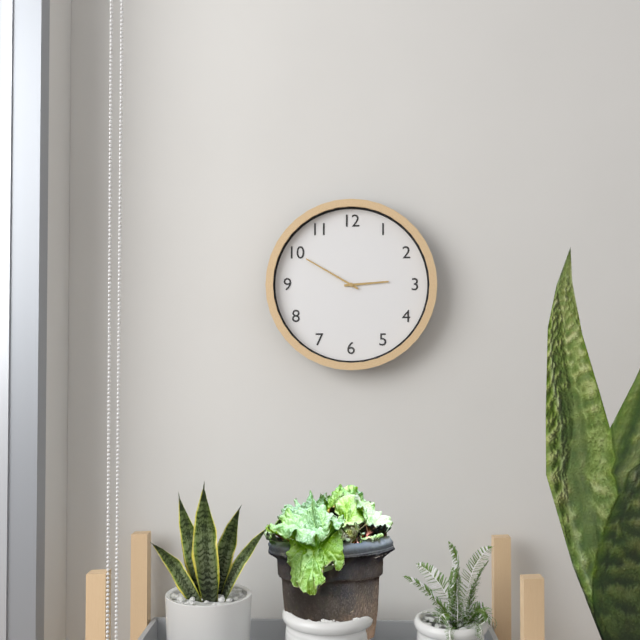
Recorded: h=2 m=50
